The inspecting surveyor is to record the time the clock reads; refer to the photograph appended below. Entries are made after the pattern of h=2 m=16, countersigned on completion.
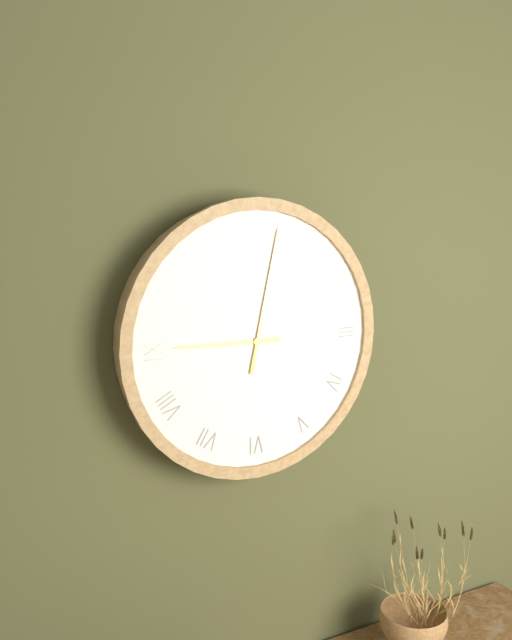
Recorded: h=9 m=2
